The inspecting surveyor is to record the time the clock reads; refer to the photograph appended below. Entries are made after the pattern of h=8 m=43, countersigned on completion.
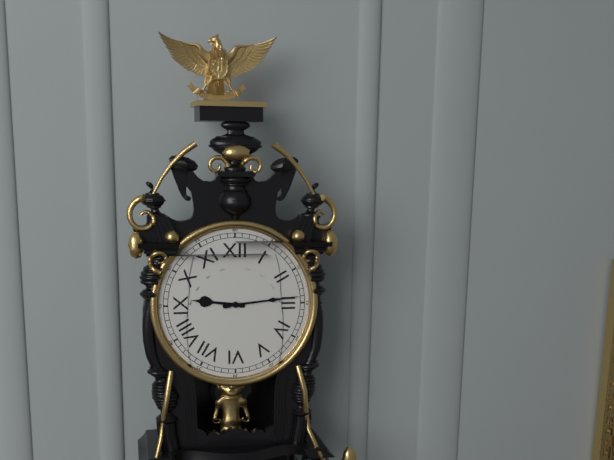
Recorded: h=9 m=14
